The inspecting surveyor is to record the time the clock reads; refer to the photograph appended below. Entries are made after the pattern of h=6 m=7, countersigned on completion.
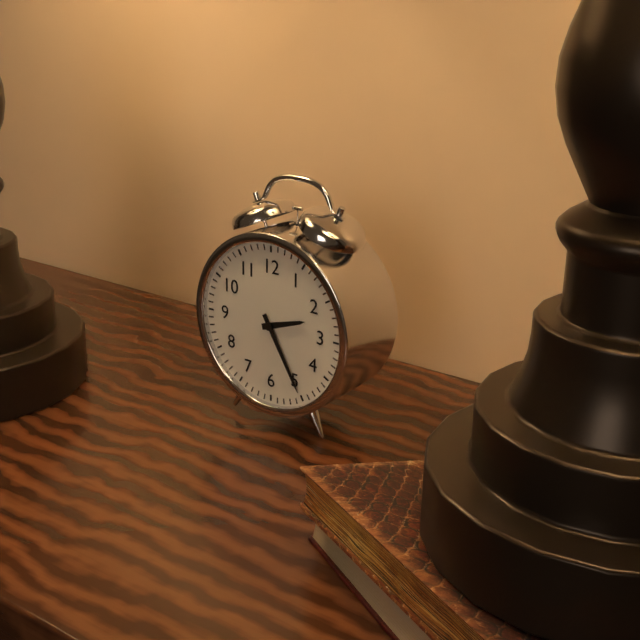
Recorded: h=2 m=25
